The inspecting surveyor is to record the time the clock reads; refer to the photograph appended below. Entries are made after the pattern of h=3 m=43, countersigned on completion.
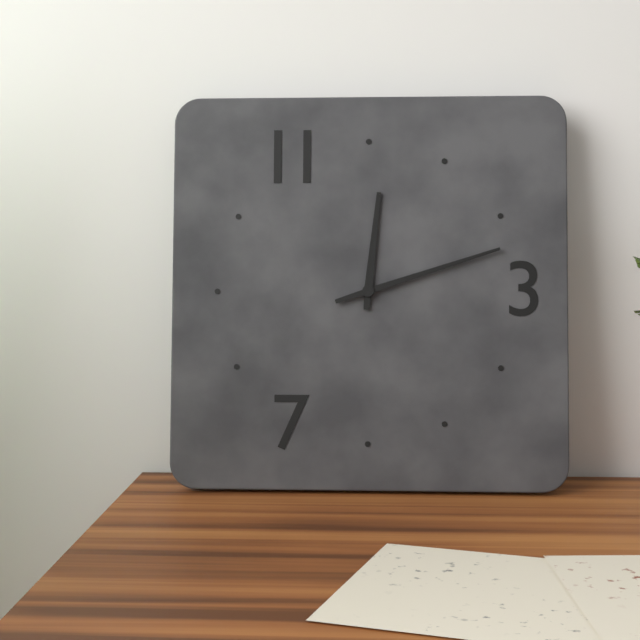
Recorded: h=12 m=12
